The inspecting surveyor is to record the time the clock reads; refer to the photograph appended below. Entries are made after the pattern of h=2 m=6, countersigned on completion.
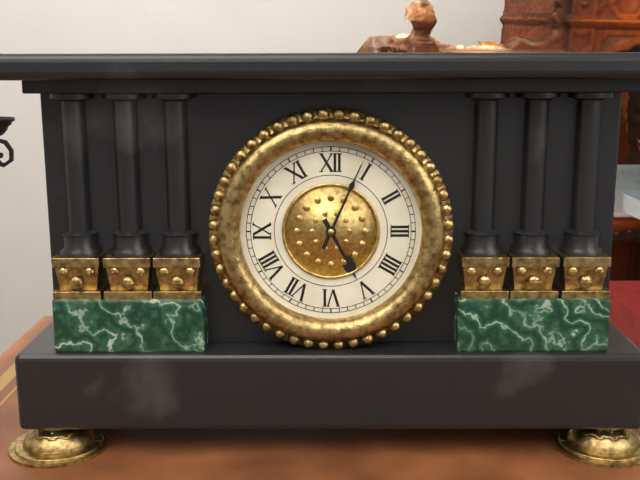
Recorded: h=5 m=4
